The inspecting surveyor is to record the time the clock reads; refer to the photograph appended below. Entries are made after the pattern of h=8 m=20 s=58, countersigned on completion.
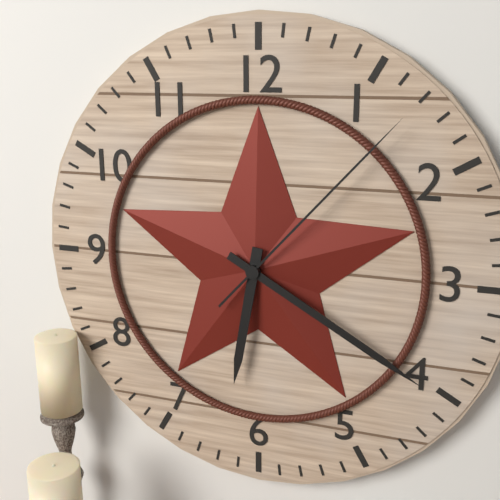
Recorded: h=6 m=20 s=7
